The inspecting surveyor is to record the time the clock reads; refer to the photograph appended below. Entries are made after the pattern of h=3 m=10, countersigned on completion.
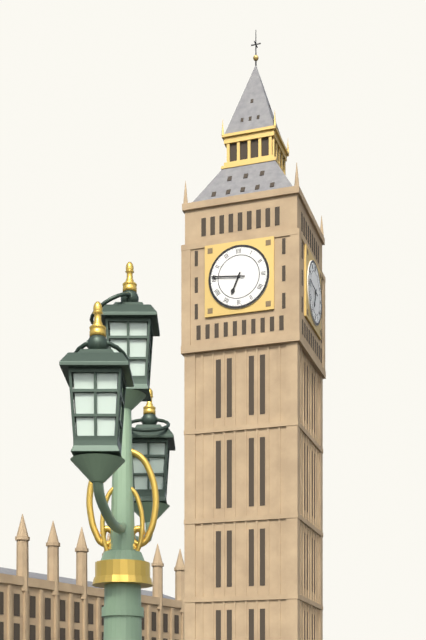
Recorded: h=6 m=46
